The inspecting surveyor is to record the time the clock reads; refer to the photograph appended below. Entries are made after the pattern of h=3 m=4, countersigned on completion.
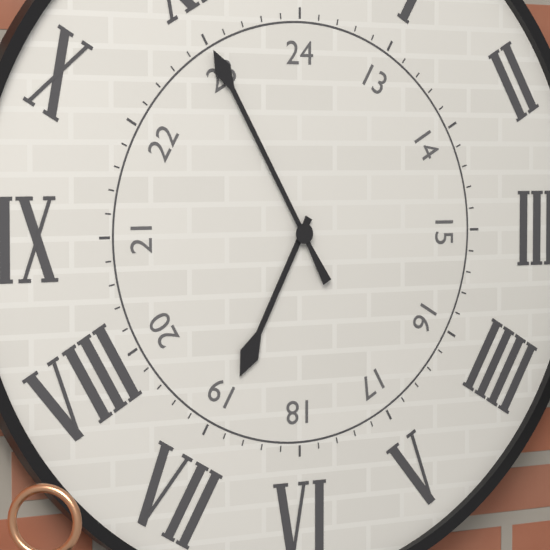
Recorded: h=6 m=55
